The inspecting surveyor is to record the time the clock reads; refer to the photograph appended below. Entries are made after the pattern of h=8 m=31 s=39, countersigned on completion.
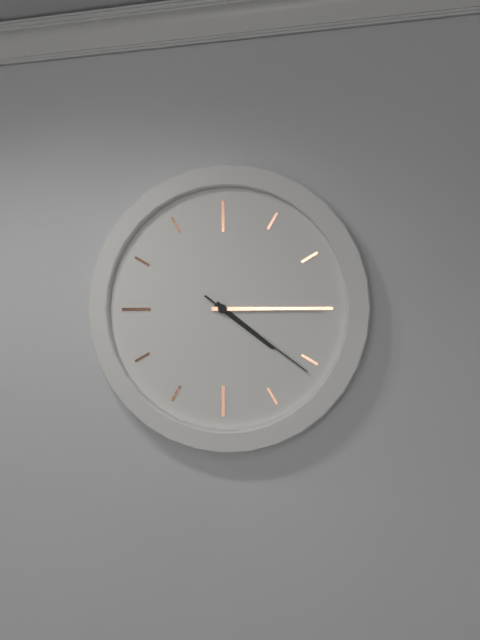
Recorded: h=4 m=15 s=21
